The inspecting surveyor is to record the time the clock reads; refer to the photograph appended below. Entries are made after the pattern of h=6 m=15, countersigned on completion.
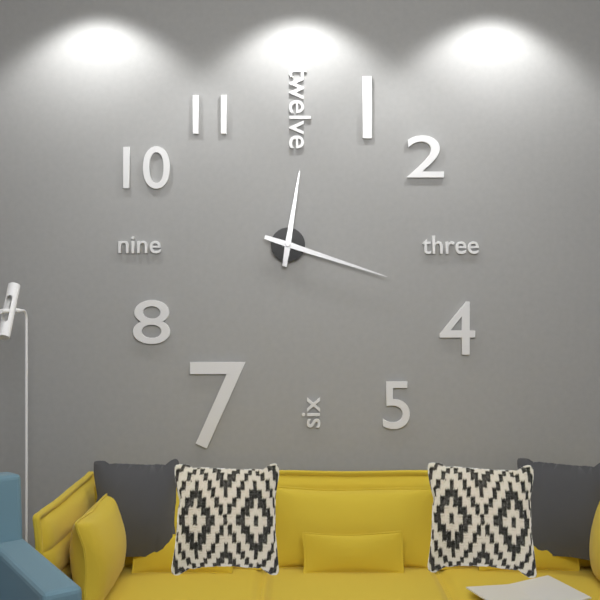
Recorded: h=12 m=18
